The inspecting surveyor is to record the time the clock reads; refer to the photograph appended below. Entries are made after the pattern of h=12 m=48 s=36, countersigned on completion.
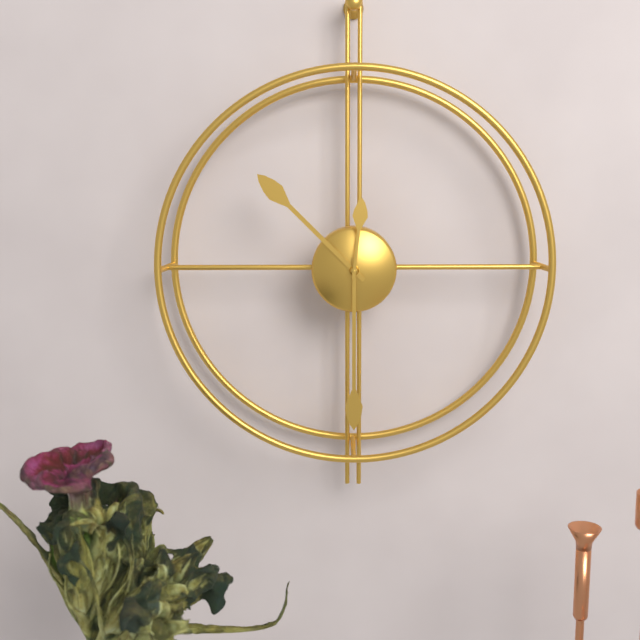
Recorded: h=10 m=30 s=1
